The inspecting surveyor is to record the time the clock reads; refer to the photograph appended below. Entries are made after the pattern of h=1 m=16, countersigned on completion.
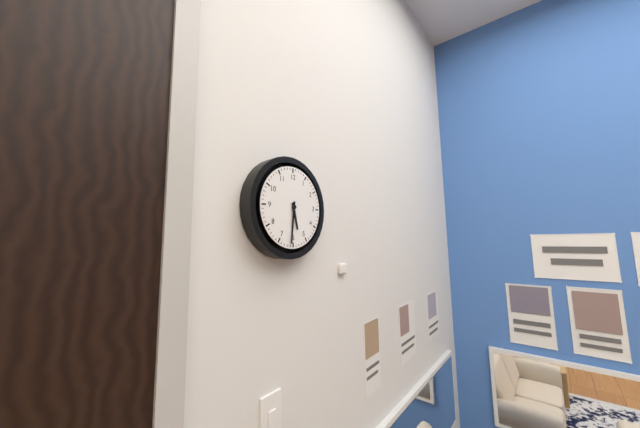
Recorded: h=5 m=31
